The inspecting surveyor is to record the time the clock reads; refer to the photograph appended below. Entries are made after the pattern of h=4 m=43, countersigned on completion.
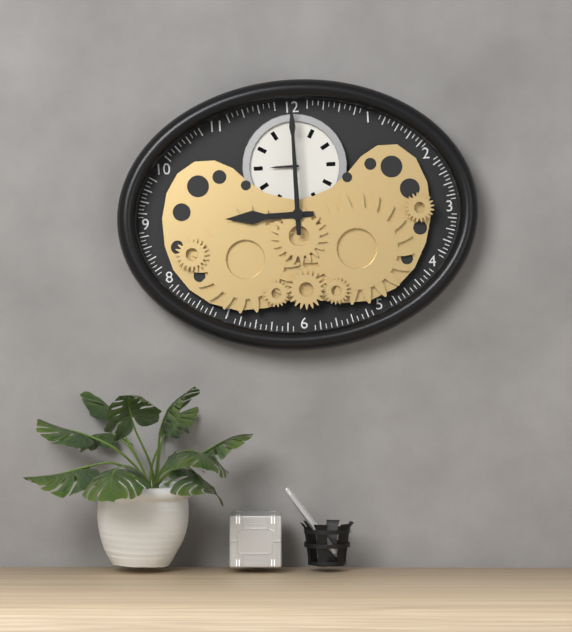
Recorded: h=9 m=0
